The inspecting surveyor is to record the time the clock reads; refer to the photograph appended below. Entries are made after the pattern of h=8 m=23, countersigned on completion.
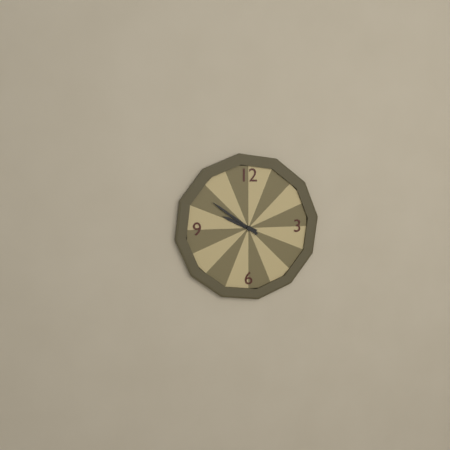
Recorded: h=9 m=51
